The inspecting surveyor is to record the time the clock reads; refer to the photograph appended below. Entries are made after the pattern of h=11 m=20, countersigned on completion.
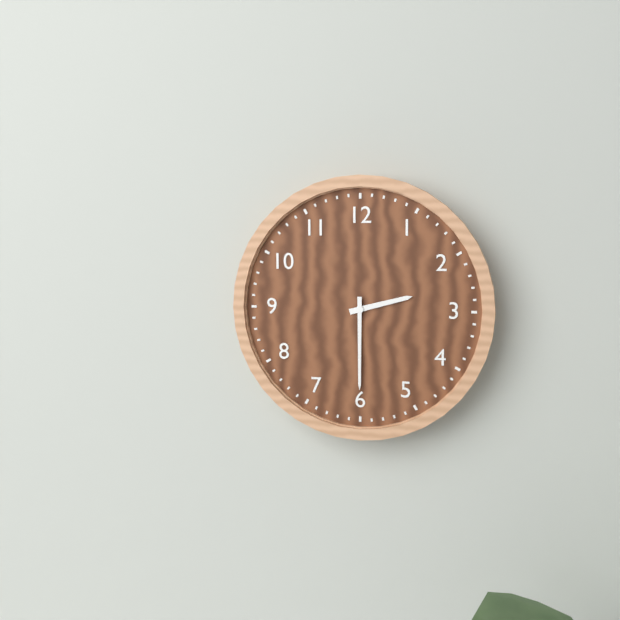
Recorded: h=2 m=30
